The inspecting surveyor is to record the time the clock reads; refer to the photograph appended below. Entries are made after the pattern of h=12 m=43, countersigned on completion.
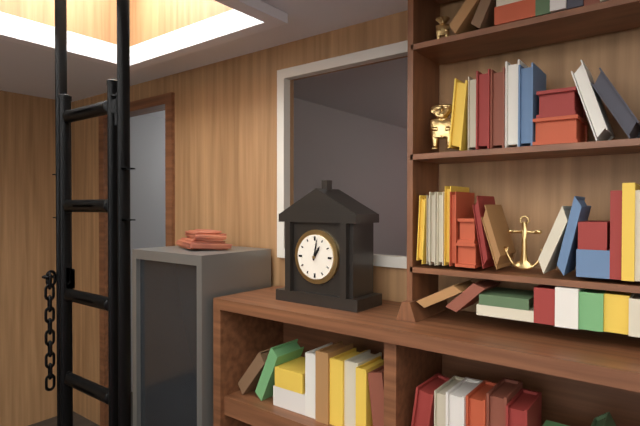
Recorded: h=1 m=2
